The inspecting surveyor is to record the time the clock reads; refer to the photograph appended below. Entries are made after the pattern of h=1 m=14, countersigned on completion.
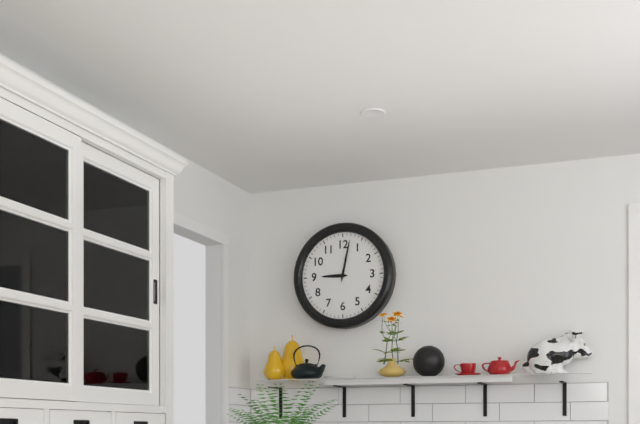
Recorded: h=9 m=2
